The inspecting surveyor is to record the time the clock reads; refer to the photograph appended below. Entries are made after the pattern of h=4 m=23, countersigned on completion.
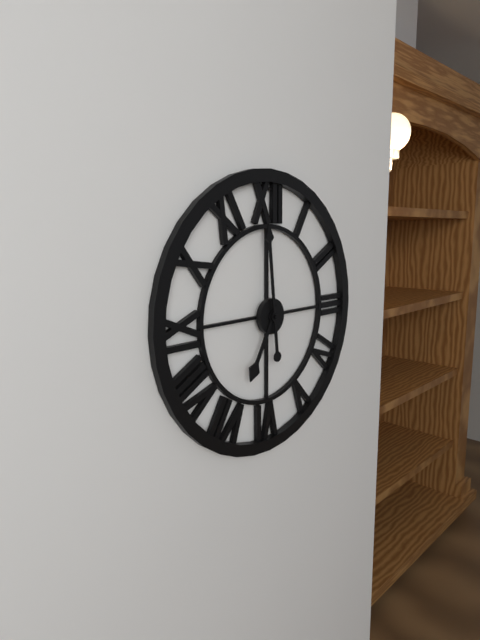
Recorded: h=6 m=59
